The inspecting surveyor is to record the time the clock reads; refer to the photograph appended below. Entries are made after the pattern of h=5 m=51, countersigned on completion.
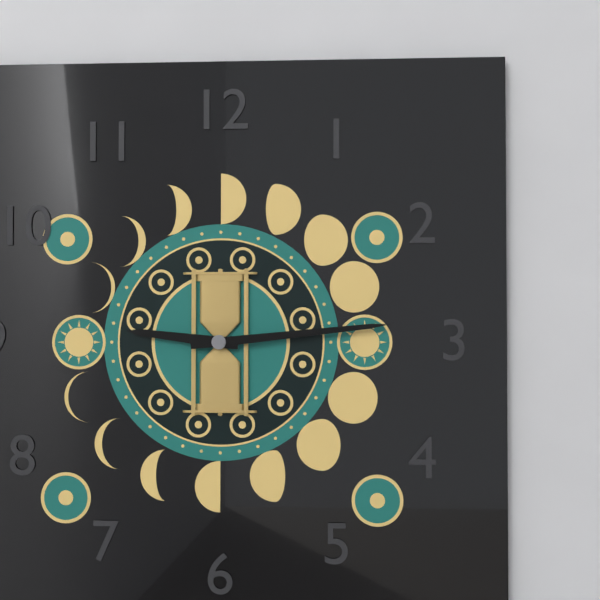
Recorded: h=9 m=14
